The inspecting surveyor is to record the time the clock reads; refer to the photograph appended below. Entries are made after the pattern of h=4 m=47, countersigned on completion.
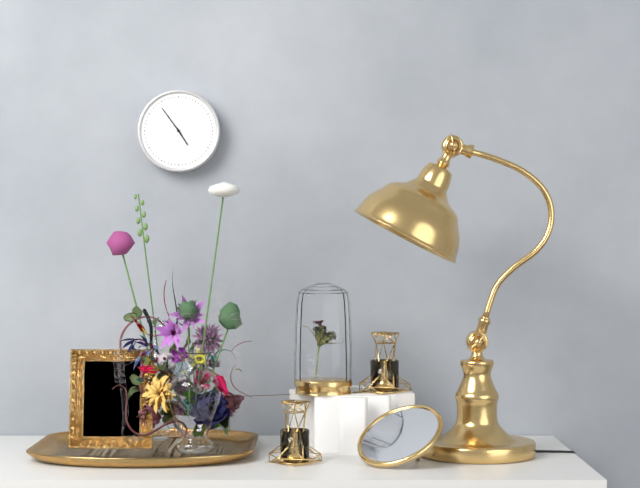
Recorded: h=4 m=54
